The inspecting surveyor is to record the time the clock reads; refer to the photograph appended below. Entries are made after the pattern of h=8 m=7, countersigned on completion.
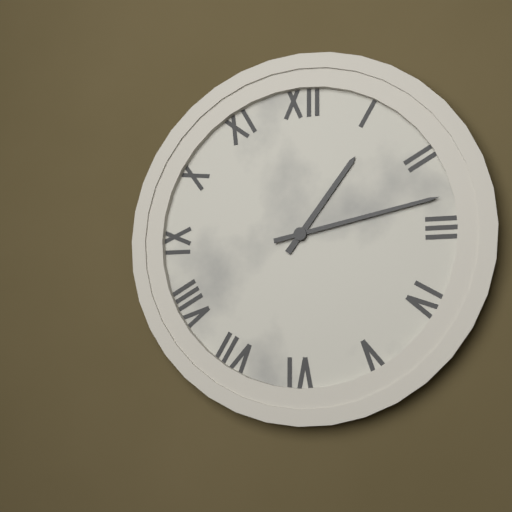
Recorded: h=1 m=13
